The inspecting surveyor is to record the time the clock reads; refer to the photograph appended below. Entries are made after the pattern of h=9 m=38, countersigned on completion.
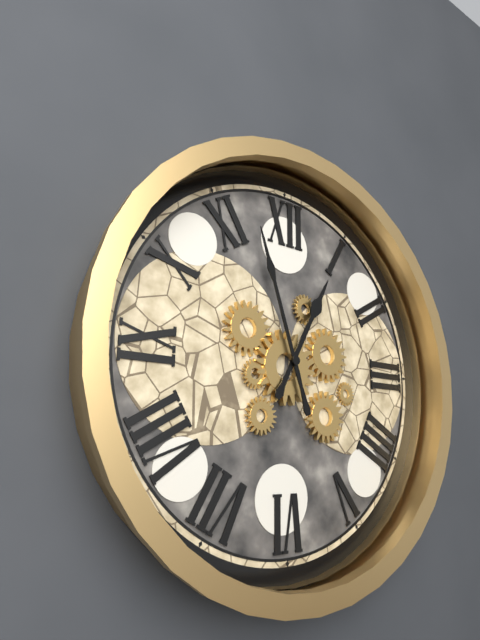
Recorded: h=12 m=57
